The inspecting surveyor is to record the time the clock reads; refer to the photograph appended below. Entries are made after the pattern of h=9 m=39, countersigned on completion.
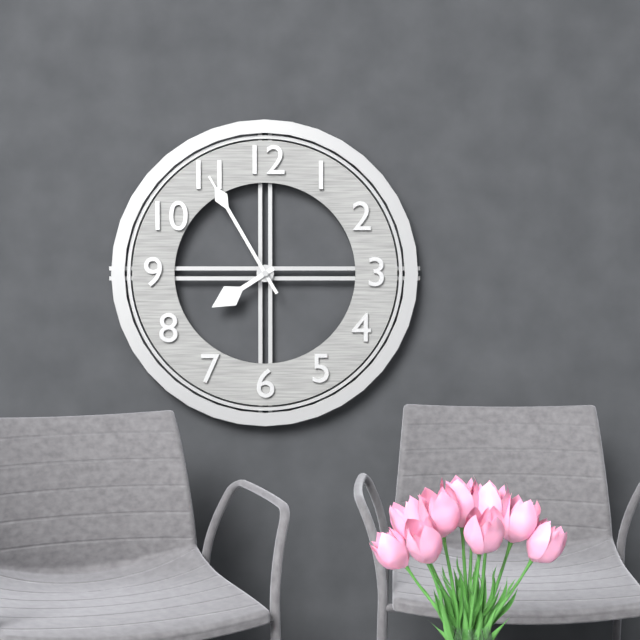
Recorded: h=7 m=55
